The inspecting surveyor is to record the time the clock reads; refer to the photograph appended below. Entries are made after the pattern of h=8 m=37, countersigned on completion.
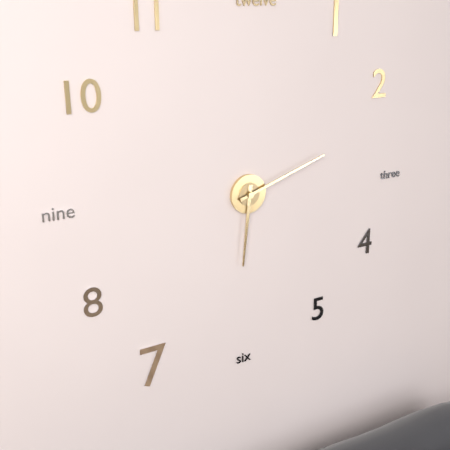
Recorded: h=6 m=12
